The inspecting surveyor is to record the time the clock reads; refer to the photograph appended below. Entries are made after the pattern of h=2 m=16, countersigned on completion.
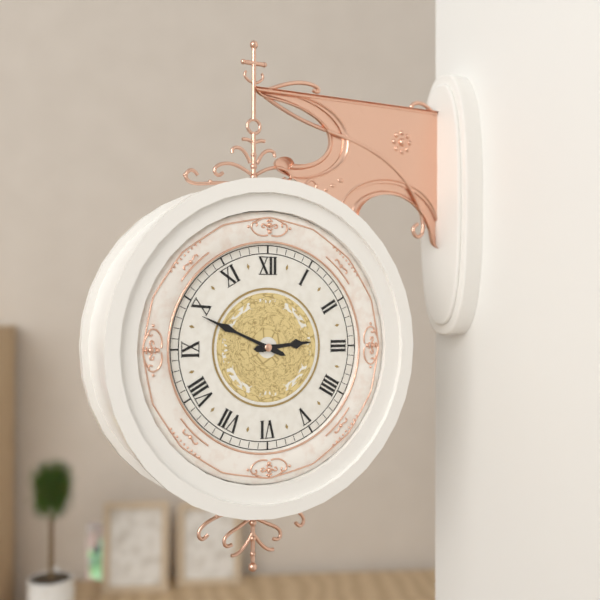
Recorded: h=2 m=49
